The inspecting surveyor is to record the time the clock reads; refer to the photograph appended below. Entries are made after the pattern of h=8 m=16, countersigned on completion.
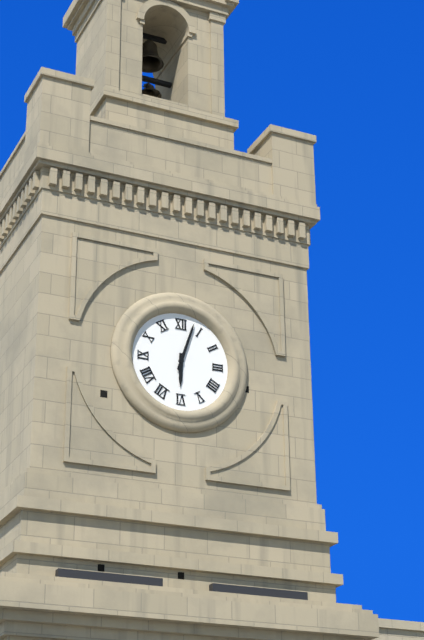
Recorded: h=6 m=3
